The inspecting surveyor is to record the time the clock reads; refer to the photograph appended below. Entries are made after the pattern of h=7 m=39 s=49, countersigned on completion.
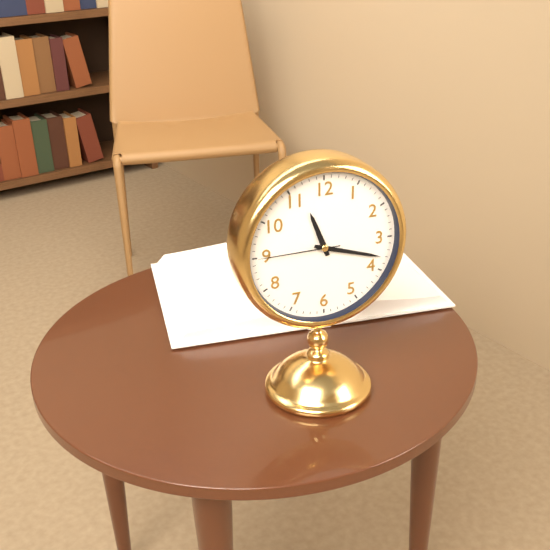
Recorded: h=11 m=18 s=45
